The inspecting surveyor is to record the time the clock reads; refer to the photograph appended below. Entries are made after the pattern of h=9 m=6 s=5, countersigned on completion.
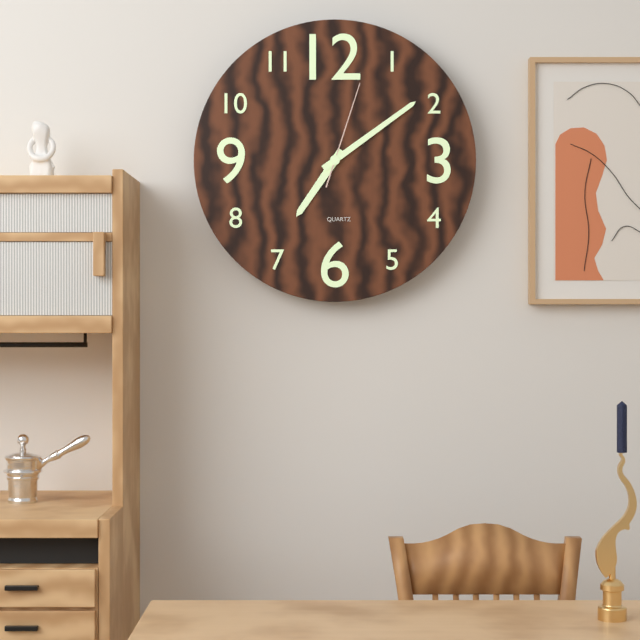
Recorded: h=7 m=9 s=3
